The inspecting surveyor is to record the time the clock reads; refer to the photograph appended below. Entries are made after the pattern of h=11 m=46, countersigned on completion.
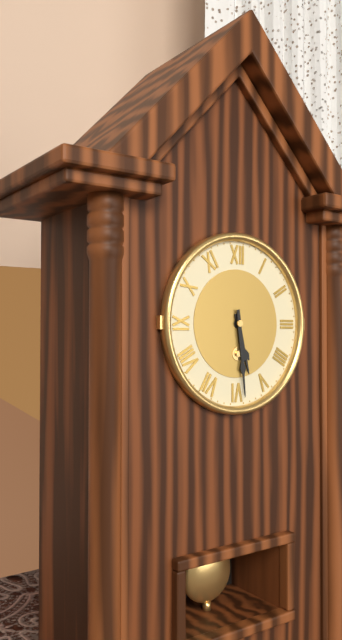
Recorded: h=5 m=29
